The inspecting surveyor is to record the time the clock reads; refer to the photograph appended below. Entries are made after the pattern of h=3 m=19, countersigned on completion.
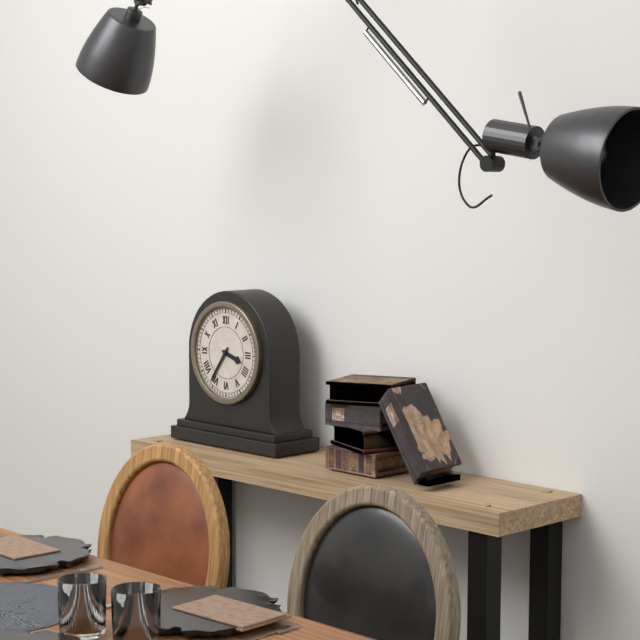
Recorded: h=3 m=36
